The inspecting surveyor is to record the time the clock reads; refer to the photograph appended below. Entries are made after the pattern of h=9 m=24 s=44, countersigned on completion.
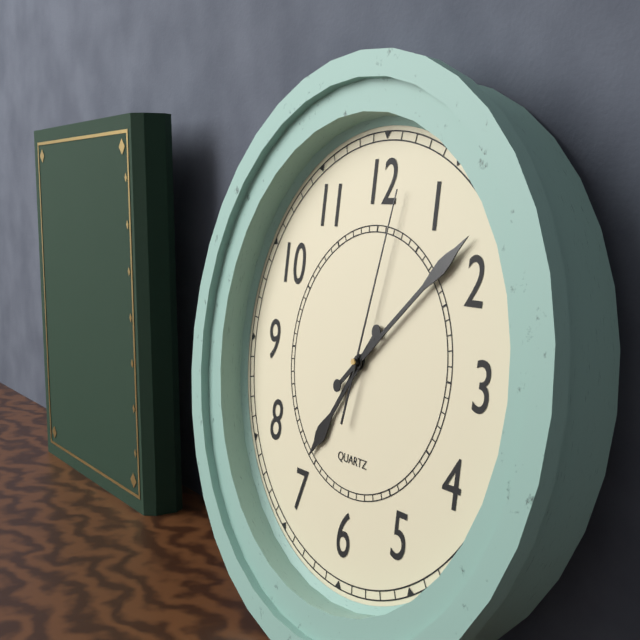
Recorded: h=7 m=8 s=2
